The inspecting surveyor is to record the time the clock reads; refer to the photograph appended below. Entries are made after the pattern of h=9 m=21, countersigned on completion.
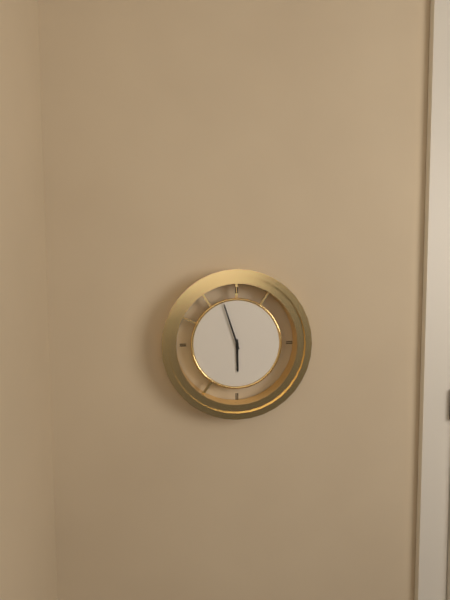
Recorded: h=5 m=57
